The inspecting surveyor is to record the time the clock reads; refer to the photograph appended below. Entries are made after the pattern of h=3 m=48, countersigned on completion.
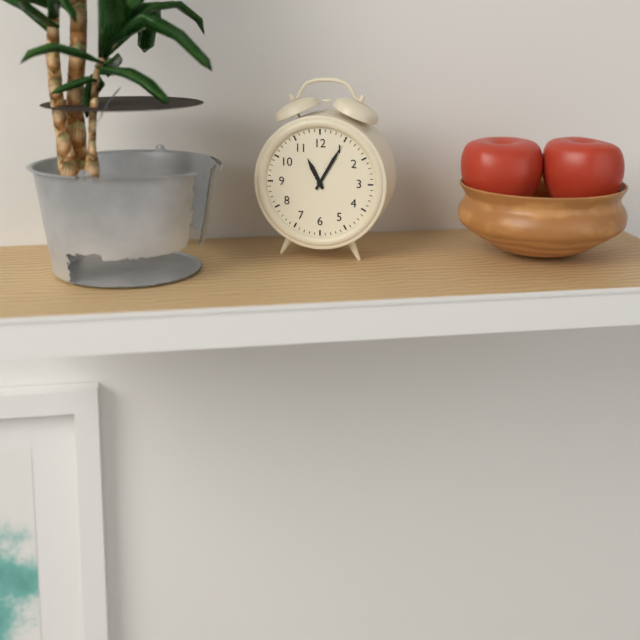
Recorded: h=11 m=5
